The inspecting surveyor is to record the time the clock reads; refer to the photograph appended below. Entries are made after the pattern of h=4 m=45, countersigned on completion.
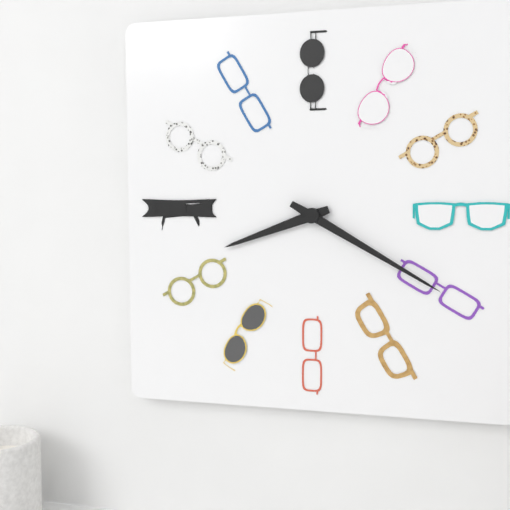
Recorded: h=8 m=20
